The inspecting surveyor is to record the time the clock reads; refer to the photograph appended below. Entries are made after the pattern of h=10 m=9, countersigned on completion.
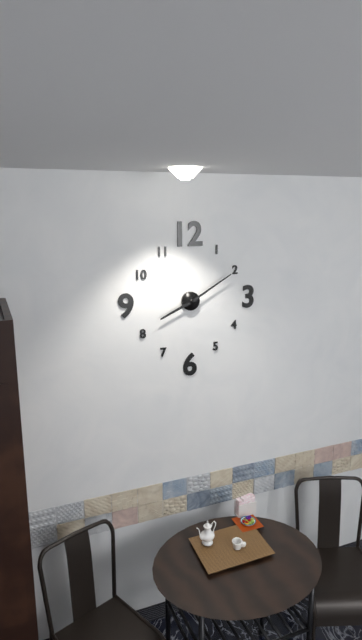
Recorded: h=8 m=10
